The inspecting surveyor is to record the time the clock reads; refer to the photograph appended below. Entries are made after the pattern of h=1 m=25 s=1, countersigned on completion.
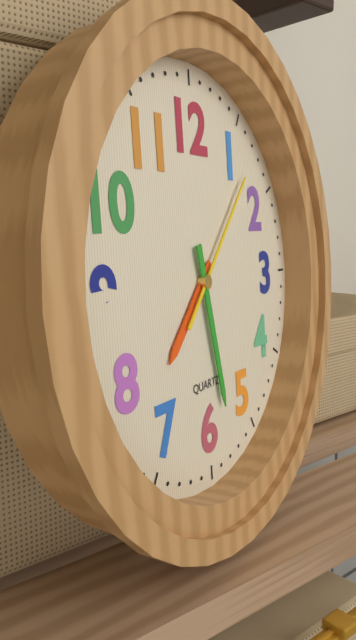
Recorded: h=7 m=28 s=7
